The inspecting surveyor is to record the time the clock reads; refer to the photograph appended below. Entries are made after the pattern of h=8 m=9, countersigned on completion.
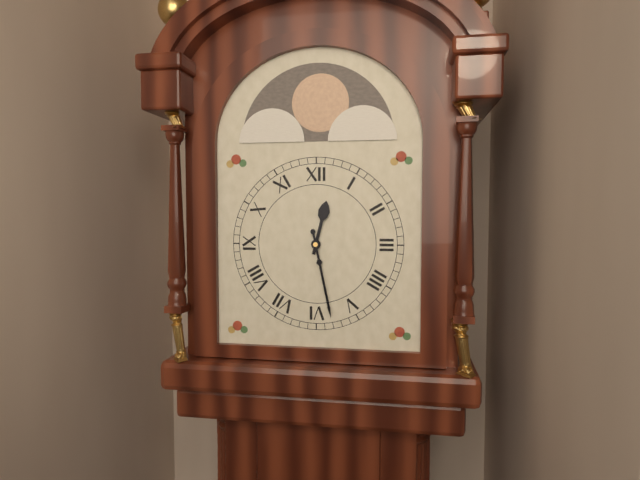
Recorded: h=12 m=28
